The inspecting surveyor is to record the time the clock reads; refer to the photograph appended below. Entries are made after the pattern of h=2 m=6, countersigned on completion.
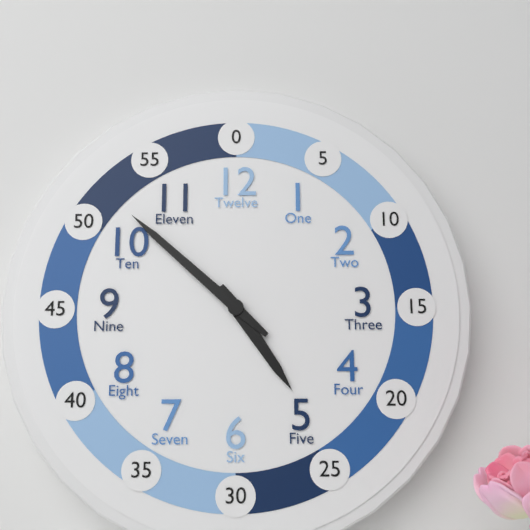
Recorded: h=4 m=52
